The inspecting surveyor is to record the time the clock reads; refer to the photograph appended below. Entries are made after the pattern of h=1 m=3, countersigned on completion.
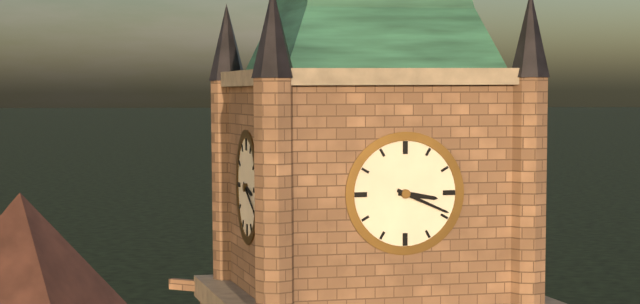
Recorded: h=3 m=19
